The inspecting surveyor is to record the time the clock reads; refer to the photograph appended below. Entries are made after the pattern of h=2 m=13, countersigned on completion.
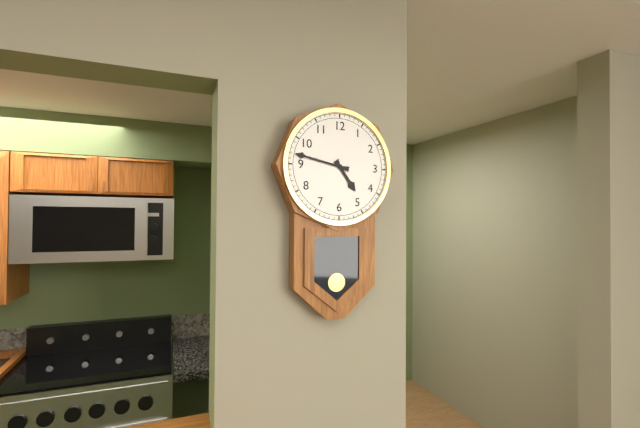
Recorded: h=4 m=47
